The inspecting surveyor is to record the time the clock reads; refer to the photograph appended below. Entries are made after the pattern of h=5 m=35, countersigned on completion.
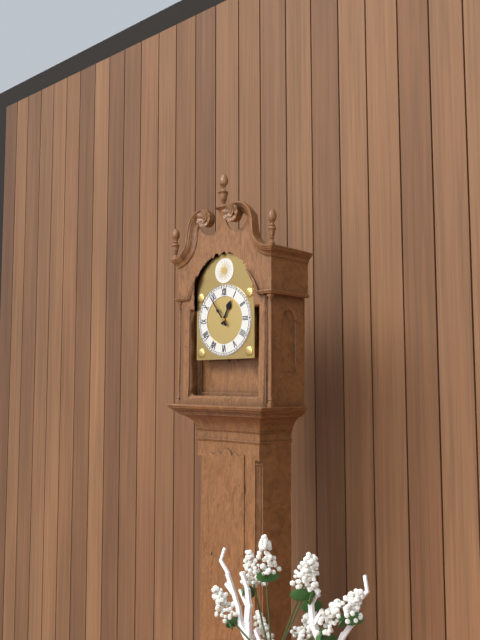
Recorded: h=12 m=54
